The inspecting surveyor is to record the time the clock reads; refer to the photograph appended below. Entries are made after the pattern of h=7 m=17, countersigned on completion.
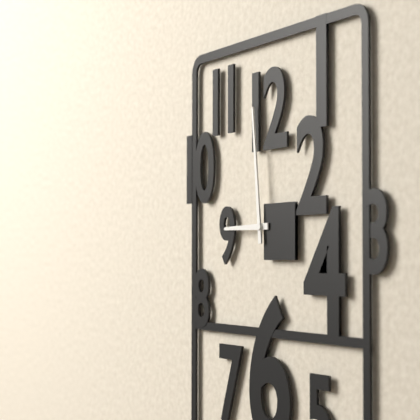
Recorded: h=8 m=59
